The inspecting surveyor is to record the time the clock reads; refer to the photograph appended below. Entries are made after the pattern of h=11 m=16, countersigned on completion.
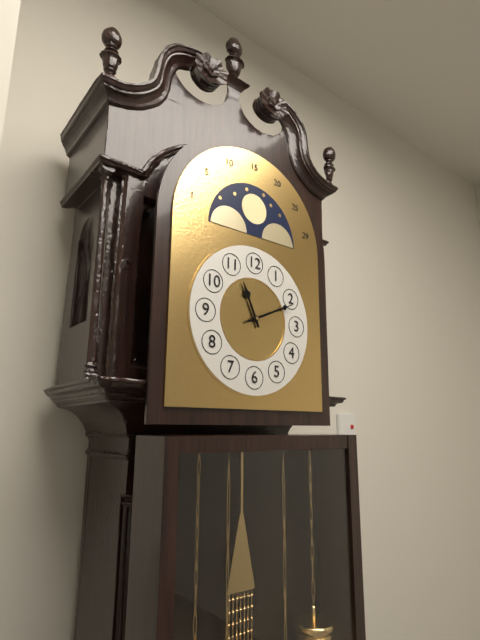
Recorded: h=11 m=11
